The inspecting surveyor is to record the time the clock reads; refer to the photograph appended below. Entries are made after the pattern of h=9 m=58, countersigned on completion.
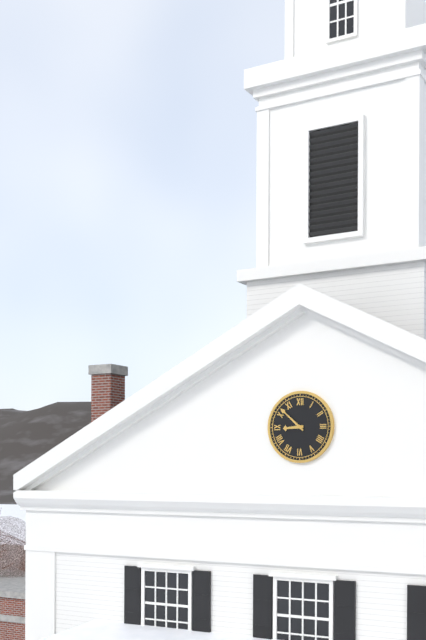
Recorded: h=8 m=52
